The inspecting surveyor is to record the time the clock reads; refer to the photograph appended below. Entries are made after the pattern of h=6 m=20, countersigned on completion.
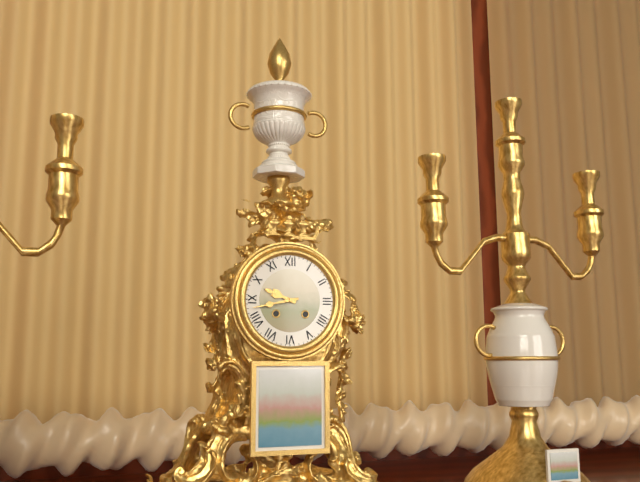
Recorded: h=9 m=43
